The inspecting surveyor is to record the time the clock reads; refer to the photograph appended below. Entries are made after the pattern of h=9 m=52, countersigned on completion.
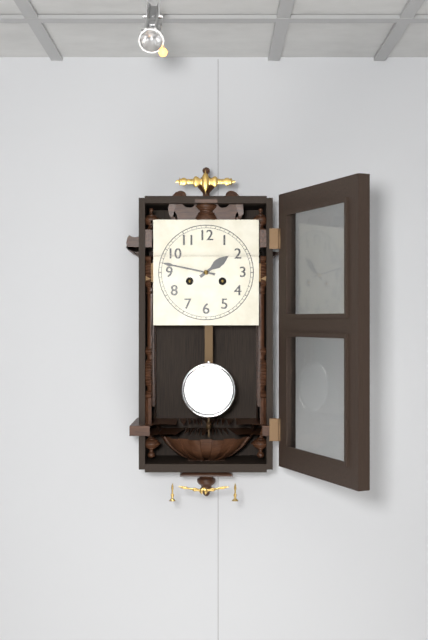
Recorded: h=1 m=47
